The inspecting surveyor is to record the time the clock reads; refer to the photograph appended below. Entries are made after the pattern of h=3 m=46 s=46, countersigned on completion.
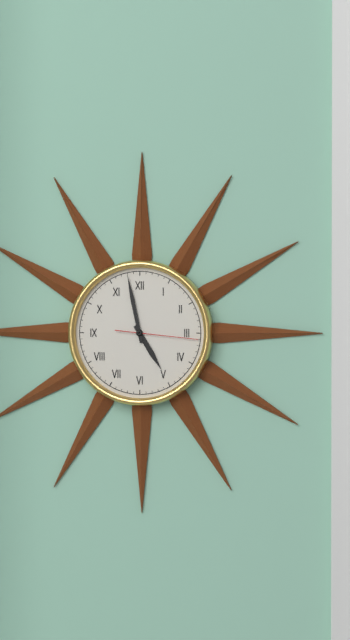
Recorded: h=4 m=58 s=16
